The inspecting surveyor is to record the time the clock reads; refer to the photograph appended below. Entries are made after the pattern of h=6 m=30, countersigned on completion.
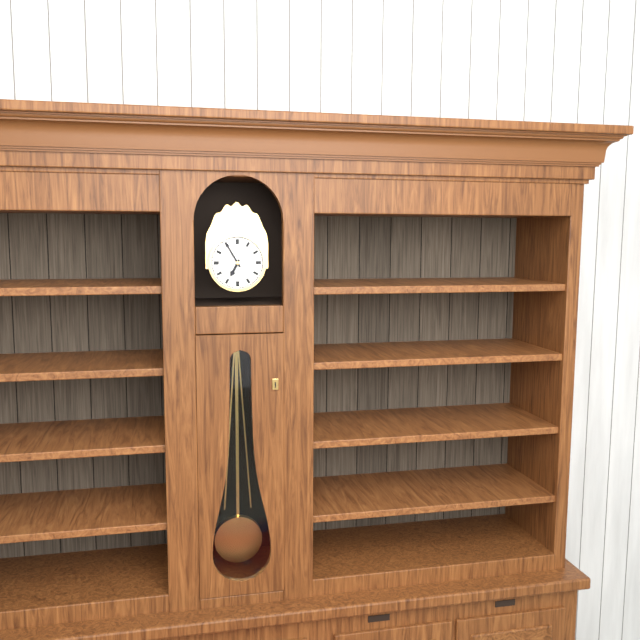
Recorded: h=6 m=55
